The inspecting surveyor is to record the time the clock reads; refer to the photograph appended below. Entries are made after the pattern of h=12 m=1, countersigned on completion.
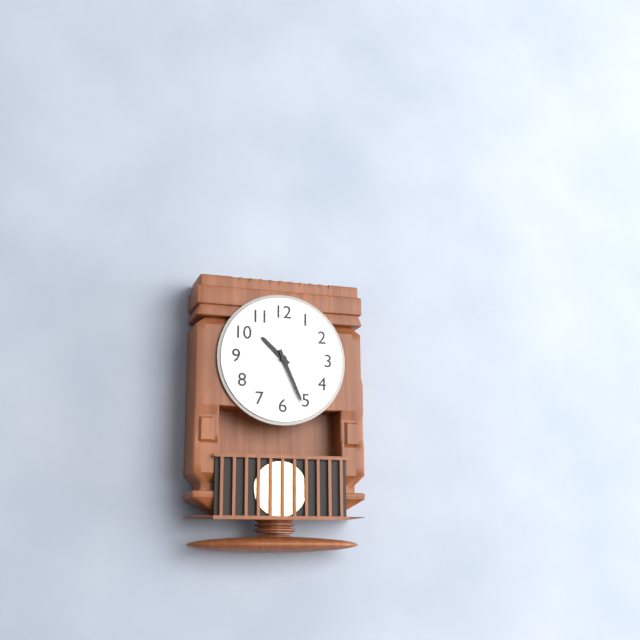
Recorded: h=10 m=26
